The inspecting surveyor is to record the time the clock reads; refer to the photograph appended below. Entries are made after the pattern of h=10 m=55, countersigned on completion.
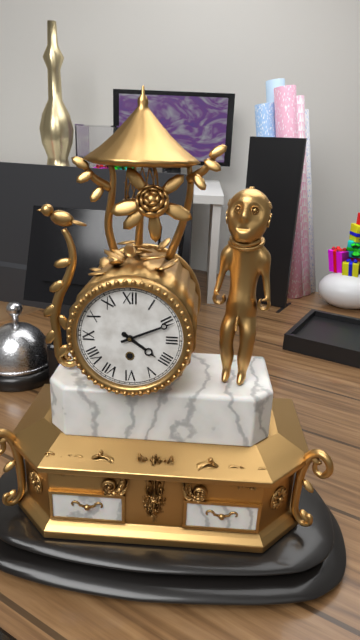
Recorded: h=4 m=11
